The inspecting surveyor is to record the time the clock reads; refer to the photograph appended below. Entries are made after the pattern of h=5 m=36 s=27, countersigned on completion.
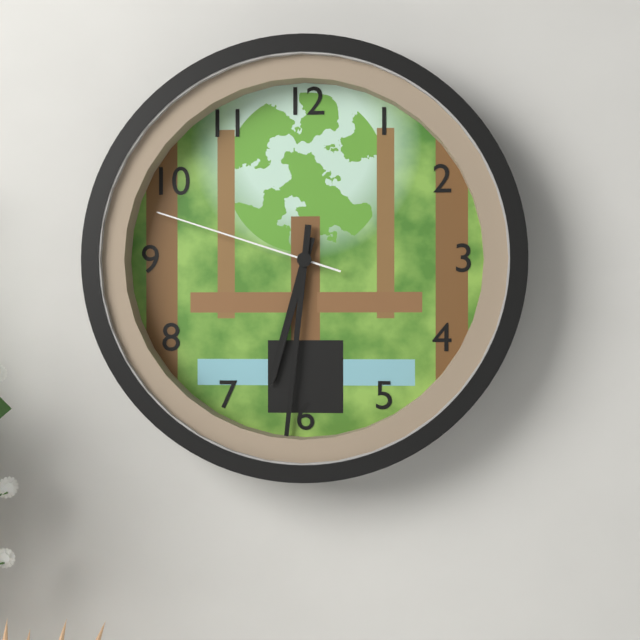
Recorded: h=6 m=31 s=48
